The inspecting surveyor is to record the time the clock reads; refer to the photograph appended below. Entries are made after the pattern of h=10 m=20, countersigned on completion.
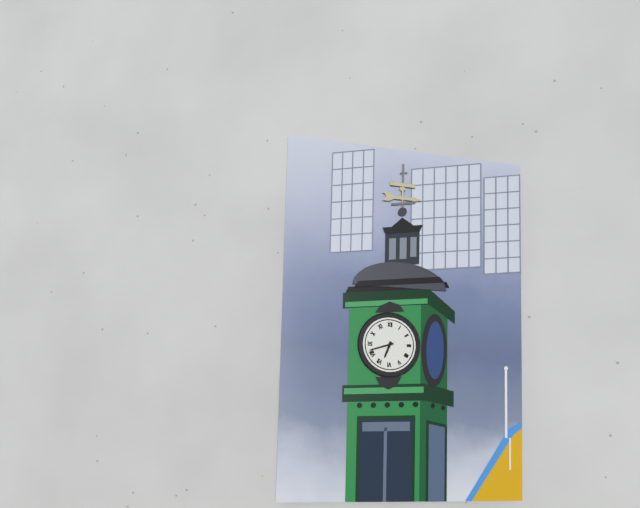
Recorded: h=6 m=42
